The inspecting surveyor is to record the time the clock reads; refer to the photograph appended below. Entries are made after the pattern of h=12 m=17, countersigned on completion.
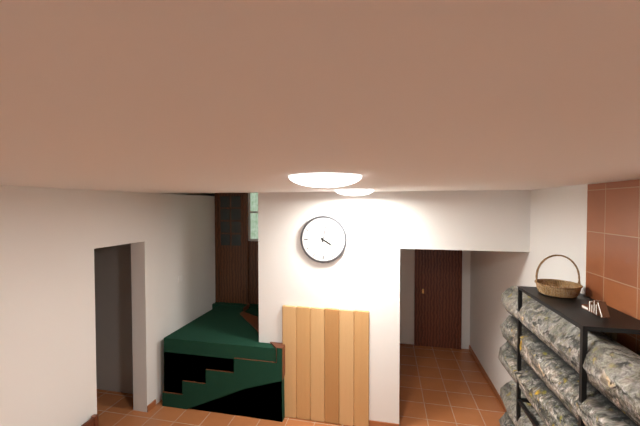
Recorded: h=4 m=2
